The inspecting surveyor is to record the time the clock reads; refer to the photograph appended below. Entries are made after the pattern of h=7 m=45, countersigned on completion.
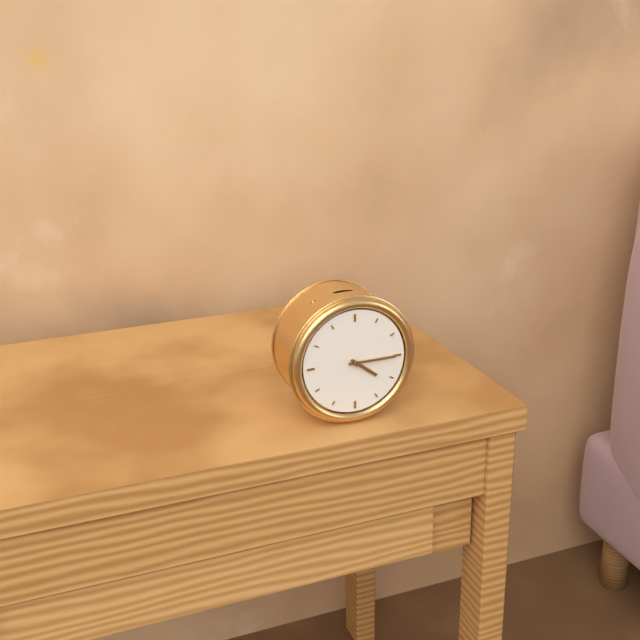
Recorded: h=4 m=15
